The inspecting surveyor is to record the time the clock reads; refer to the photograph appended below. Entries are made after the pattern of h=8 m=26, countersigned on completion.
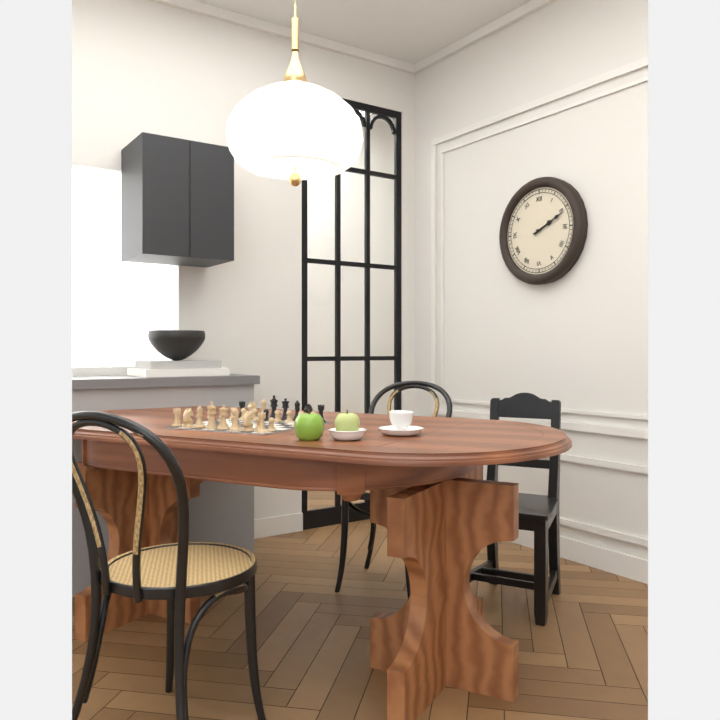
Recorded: h=2 m=11
